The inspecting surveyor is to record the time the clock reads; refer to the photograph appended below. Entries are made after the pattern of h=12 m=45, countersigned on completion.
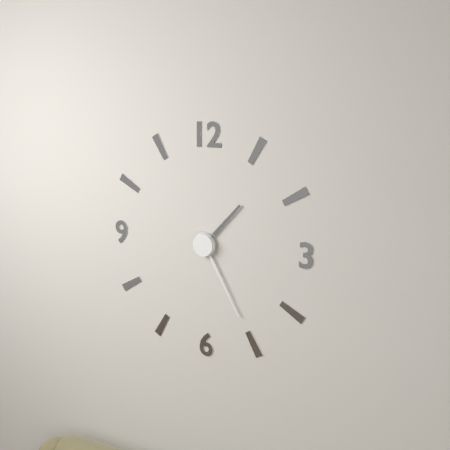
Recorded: h=1 m=25
